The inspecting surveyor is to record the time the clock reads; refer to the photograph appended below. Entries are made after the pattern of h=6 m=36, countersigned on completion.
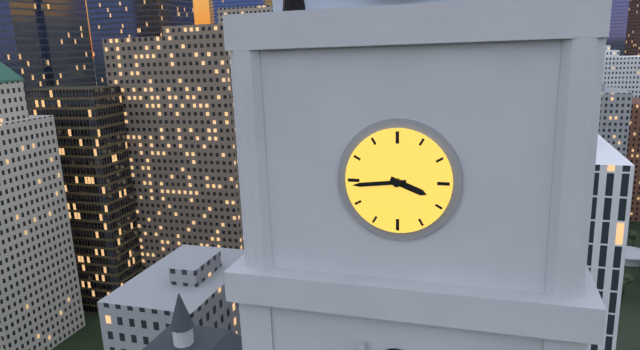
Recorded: h=3 m=44
